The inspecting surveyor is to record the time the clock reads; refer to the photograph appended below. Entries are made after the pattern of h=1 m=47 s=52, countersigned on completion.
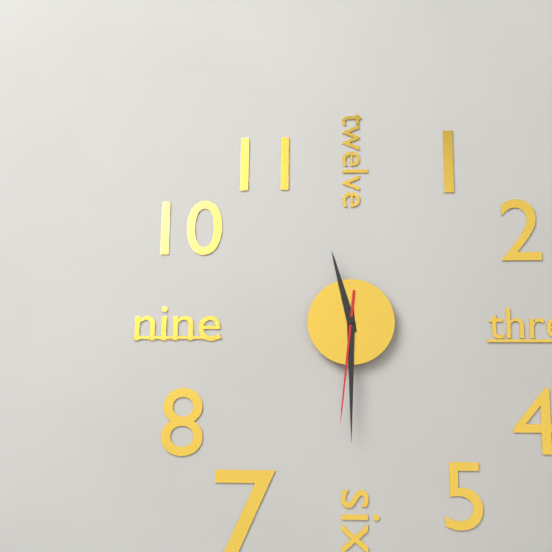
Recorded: h=11 m=30 s=31
